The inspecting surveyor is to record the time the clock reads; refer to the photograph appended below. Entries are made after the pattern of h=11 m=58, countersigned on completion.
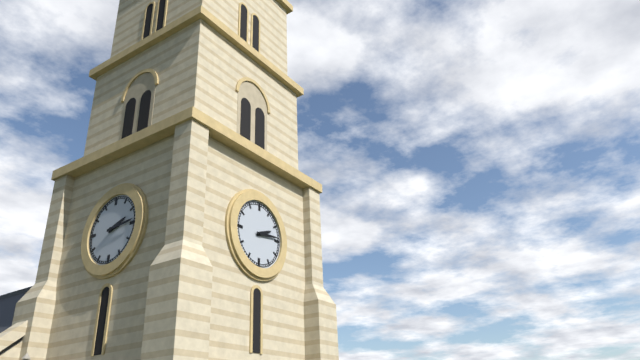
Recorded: h=2 m=14
